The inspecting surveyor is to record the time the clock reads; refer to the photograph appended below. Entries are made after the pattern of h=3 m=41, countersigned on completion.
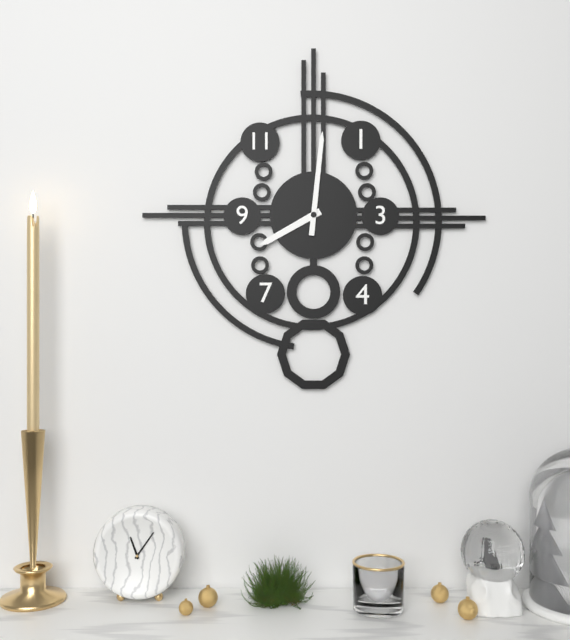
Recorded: h=8 m=1
